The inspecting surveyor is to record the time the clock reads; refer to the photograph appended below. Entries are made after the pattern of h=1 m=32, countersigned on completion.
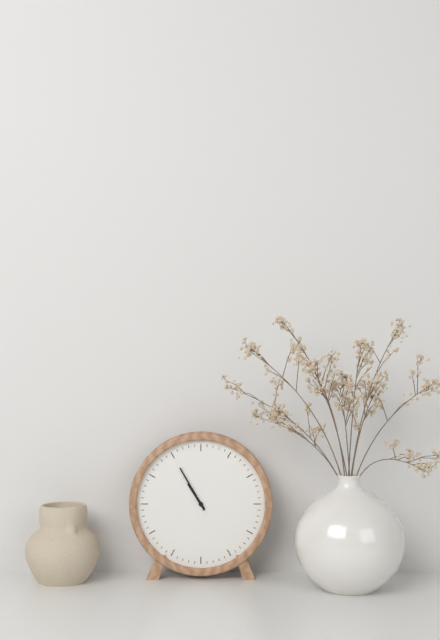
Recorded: h=10 m=55
